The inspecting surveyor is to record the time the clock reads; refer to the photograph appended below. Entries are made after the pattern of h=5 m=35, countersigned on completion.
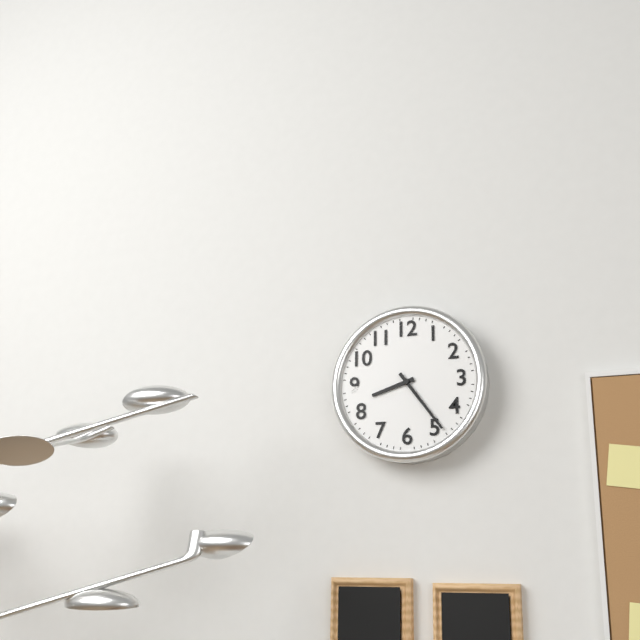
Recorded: h=8 m=24
